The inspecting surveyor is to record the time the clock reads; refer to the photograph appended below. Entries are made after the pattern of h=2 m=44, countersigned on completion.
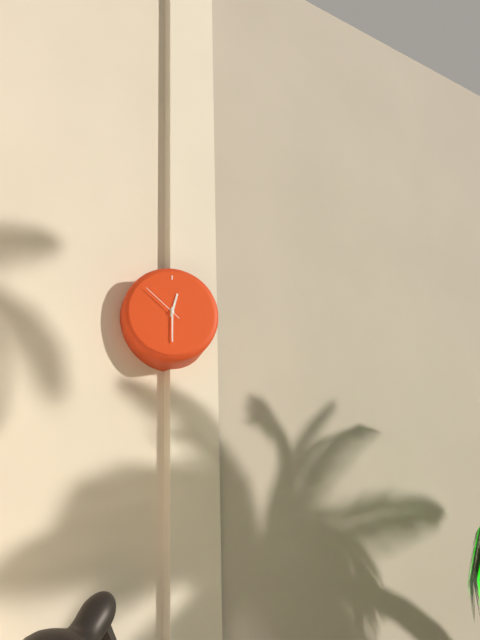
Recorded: h=12 m=30
